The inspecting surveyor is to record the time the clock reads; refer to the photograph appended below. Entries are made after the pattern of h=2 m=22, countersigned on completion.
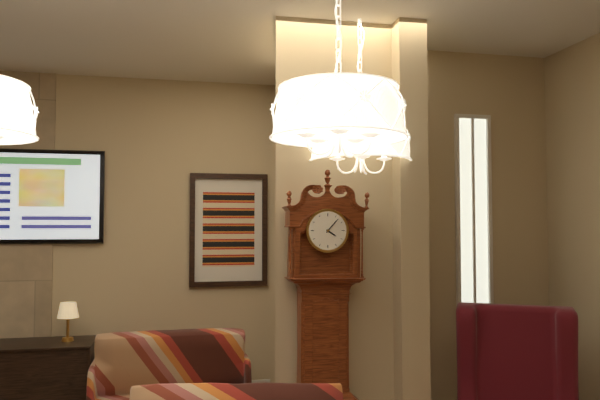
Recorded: h=4 m=7
